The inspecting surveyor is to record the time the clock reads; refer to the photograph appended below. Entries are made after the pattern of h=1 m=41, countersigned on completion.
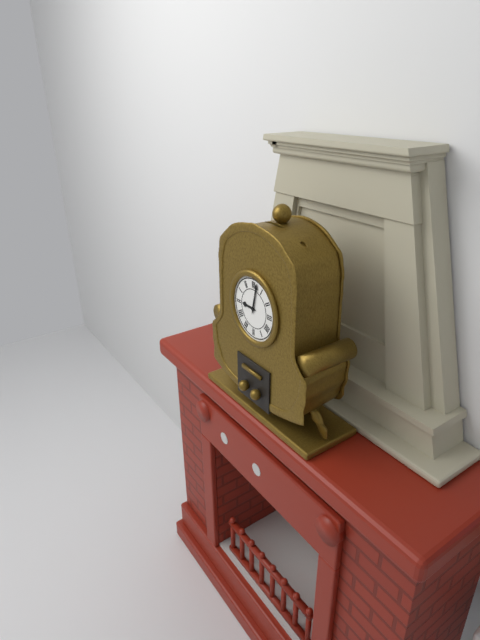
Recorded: h=9 m=2
